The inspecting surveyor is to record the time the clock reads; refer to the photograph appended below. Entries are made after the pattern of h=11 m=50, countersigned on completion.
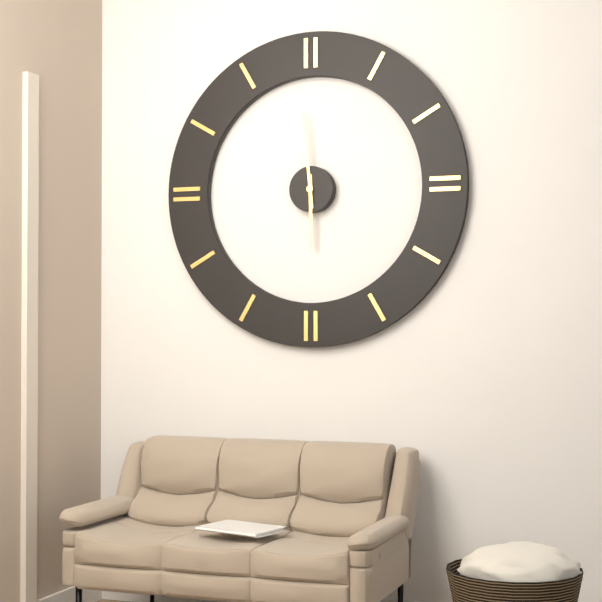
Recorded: h=5 m=59
